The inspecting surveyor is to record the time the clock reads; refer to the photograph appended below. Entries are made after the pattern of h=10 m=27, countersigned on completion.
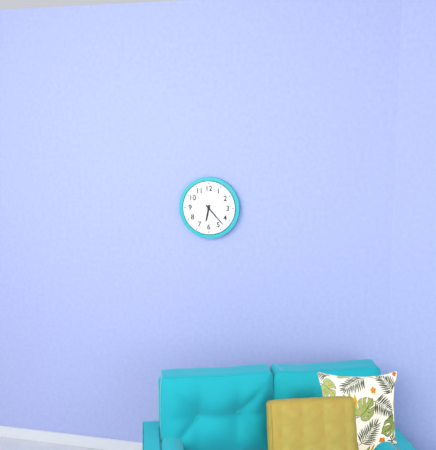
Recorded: h=6 m=23
